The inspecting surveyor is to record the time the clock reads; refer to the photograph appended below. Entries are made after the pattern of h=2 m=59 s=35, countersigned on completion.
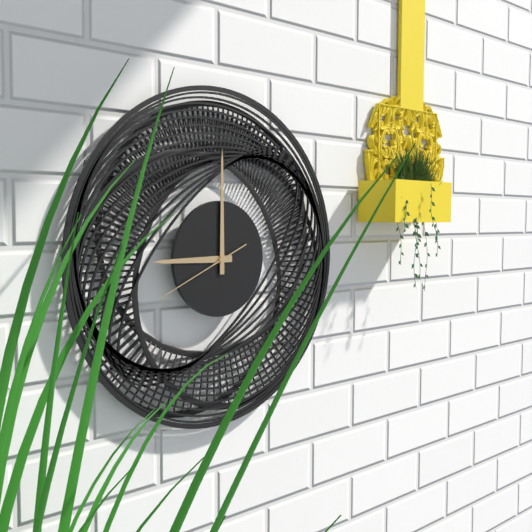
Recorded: h=9 m=0 s=41
